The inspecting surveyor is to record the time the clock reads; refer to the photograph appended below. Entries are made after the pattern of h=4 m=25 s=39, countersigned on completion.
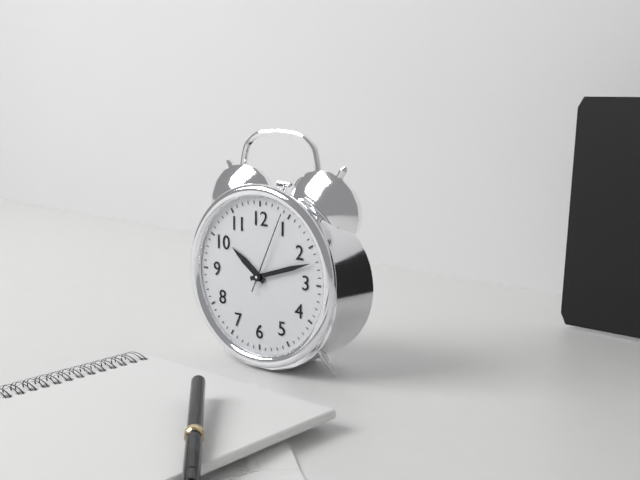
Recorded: h=10 m=12 s=4
